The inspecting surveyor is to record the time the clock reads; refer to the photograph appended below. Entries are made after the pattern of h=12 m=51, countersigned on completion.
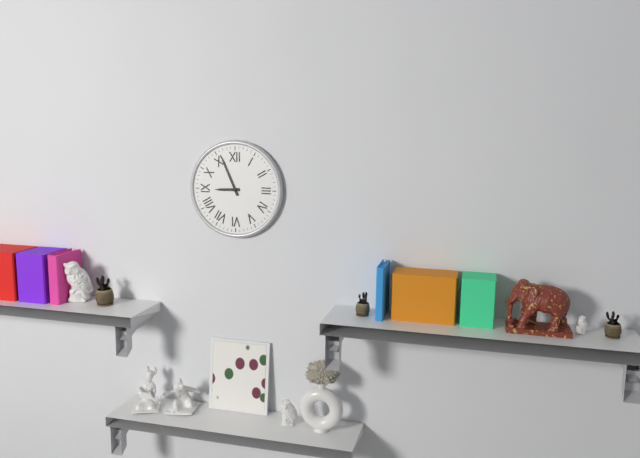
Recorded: h=8 m=56
